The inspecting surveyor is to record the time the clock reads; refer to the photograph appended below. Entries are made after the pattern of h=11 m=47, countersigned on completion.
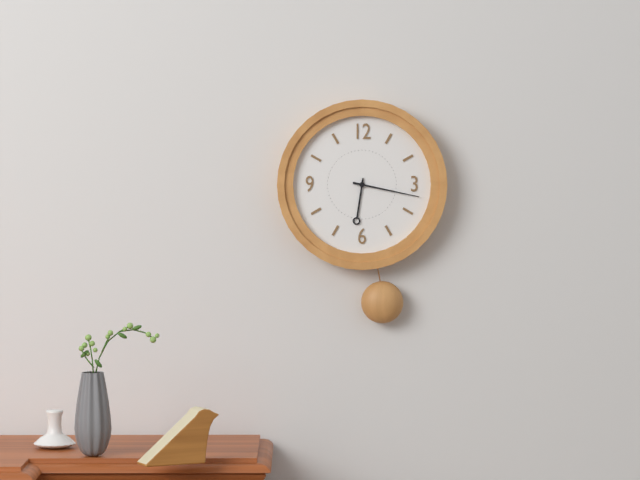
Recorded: h=6 m=17
